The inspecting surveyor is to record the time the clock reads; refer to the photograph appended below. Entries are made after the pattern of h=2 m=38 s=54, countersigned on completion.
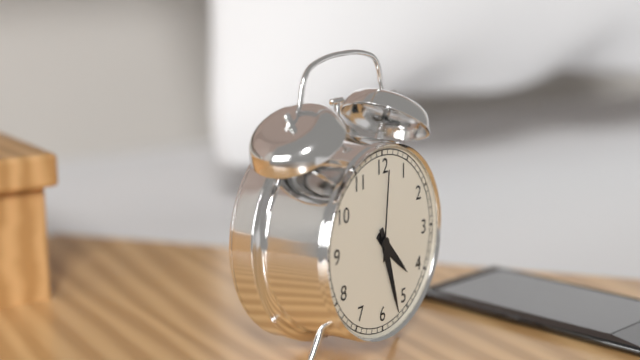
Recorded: h=4 m=27 s=1
